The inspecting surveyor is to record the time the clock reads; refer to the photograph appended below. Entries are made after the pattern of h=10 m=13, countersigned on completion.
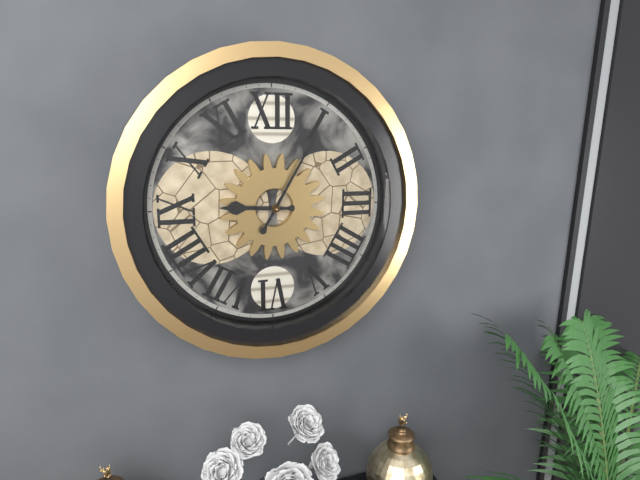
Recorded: h=9 m=5
